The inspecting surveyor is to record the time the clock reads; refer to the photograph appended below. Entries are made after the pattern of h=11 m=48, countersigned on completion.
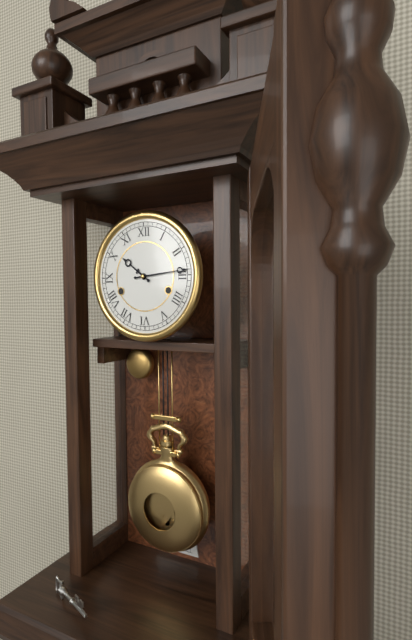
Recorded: h=10 m=14
